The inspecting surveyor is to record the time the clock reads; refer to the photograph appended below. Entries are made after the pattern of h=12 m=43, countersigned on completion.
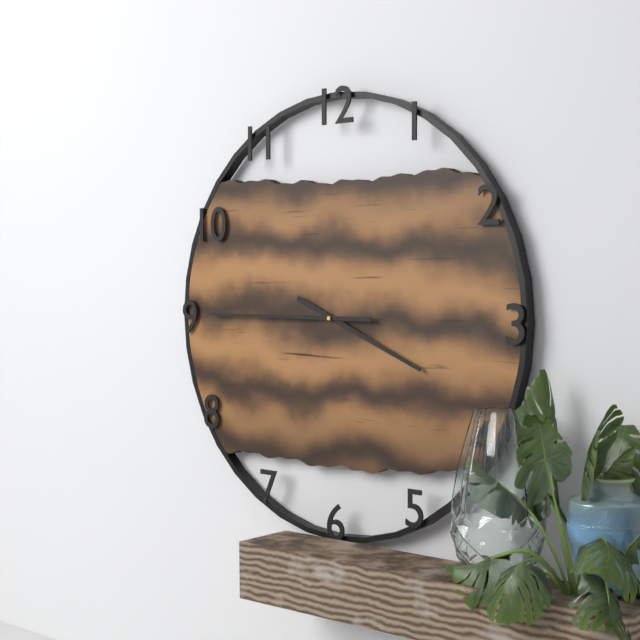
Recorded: h=3 m=45
